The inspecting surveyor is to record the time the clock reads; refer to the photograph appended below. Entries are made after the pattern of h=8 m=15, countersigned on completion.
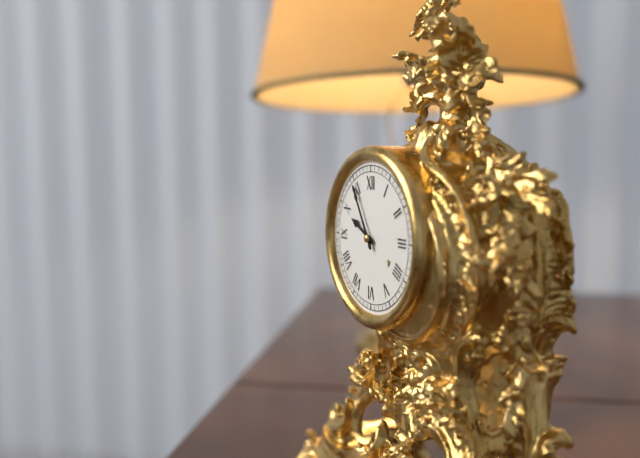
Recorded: h=9 m=55
